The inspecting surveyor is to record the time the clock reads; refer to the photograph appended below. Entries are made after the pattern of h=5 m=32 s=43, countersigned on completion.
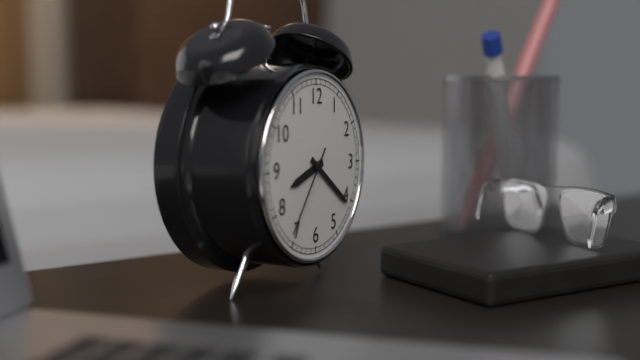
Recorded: h=8 m=21 s=36
